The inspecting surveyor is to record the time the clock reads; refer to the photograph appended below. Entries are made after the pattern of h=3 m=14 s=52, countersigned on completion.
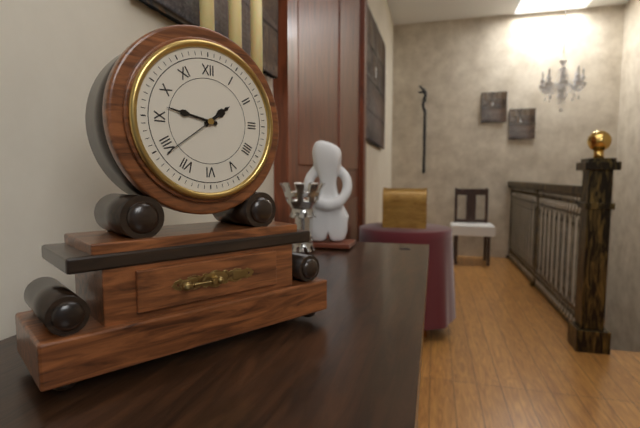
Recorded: h=1 m=47 s=39
